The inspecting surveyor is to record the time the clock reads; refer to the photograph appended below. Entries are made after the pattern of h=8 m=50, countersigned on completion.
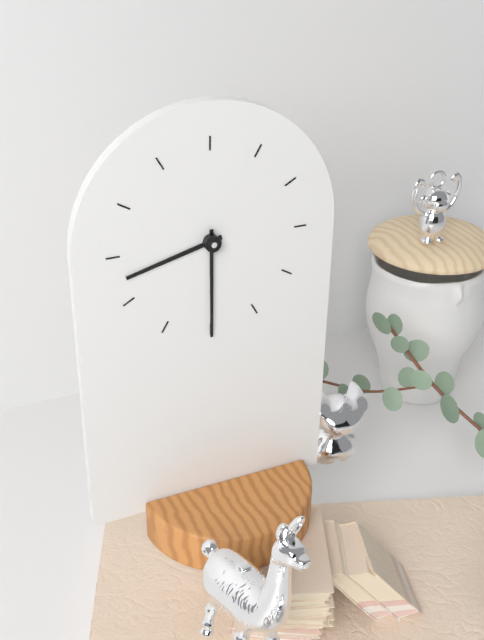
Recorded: h=8 m=30
